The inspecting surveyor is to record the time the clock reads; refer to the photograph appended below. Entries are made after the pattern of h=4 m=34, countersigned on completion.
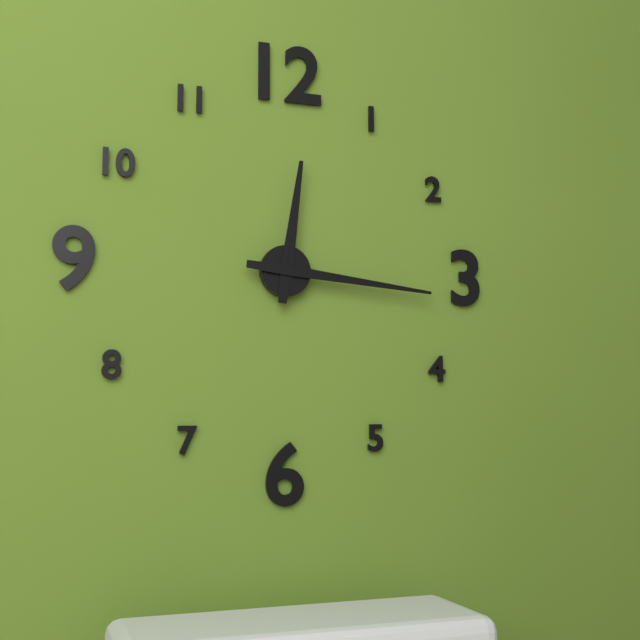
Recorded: h=12 m=16
